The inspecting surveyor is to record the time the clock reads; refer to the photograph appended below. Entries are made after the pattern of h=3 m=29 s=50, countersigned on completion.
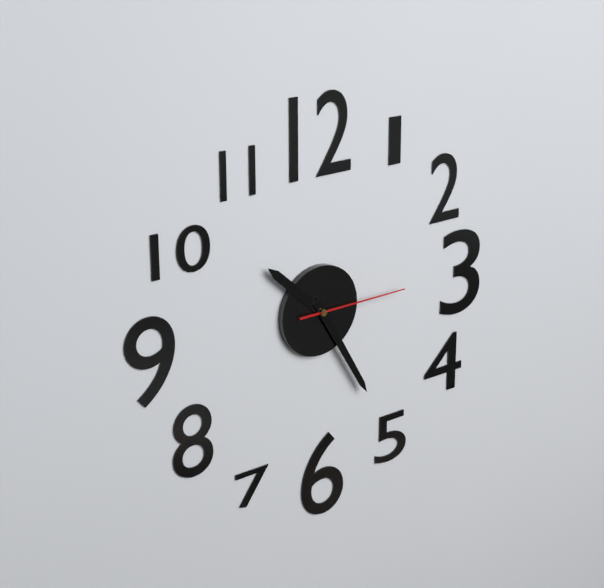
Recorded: h=10 m=25 s=15
